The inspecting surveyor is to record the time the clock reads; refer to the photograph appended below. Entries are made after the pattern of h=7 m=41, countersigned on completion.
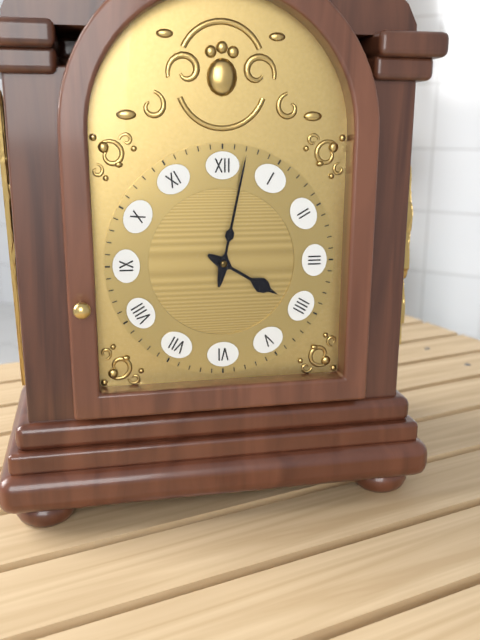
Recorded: h=4 m=2
